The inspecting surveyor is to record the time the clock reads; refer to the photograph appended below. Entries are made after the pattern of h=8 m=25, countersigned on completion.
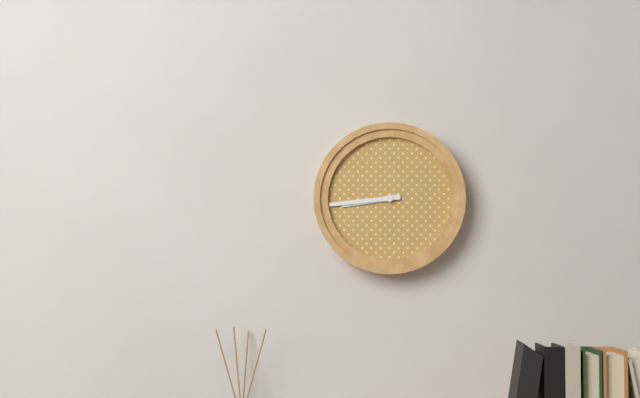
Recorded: h=8 m=44
